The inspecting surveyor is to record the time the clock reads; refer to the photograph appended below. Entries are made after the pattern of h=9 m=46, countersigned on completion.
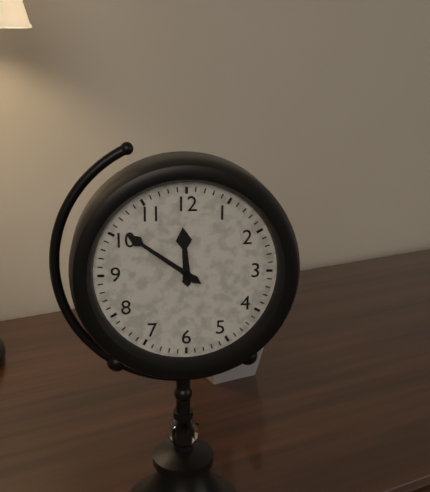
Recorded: h=11 m=51
